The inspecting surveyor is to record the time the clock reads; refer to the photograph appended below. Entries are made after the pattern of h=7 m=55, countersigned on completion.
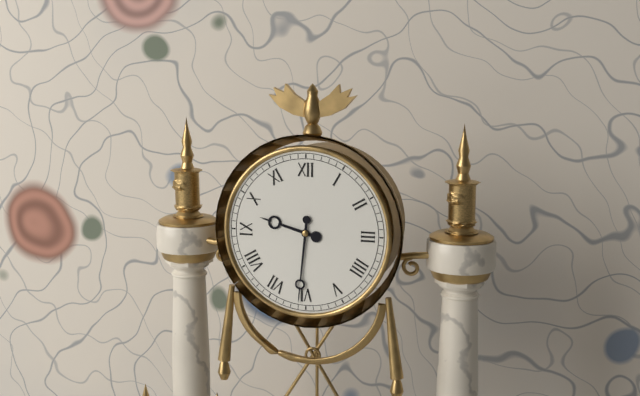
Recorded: h=9 m=31
